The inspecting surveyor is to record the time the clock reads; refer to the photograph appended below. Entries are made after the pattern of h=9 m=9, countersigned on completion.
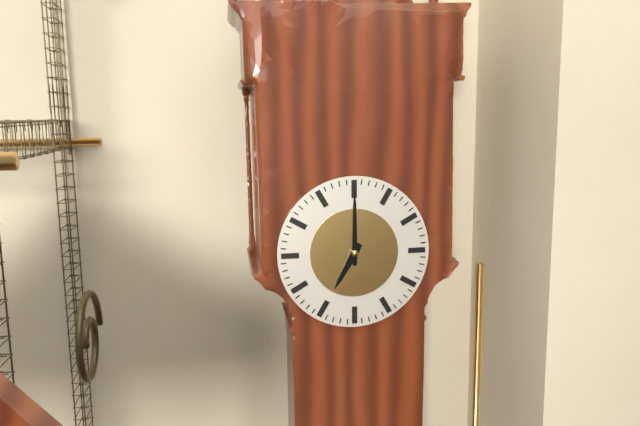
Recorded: h=7 m=0
